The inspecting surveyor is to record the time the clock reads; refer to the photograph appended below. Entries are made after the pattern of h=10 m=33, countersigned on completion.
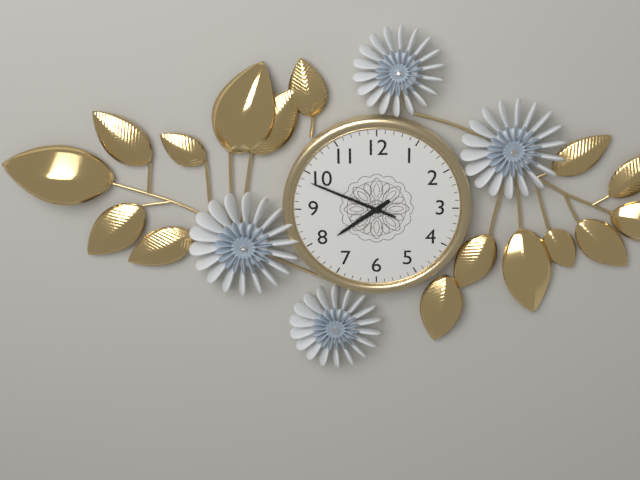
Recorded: h=7 m=49
